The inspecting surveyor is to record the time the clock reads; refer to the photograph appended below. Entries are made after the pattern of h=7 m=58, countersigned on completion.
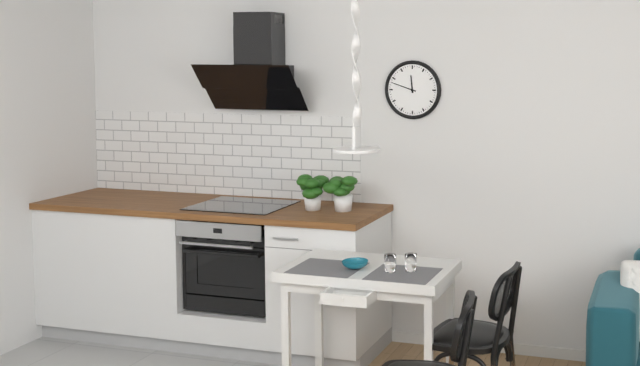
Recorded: h=11 m=48
